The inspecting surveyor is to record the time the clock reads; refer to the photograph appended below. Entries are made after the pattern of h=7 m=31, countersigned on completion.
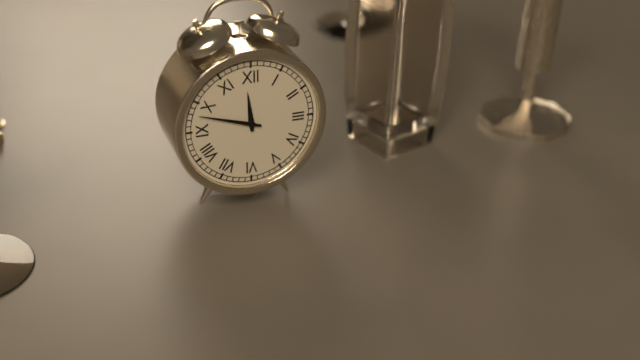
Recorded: h=11 m=48
